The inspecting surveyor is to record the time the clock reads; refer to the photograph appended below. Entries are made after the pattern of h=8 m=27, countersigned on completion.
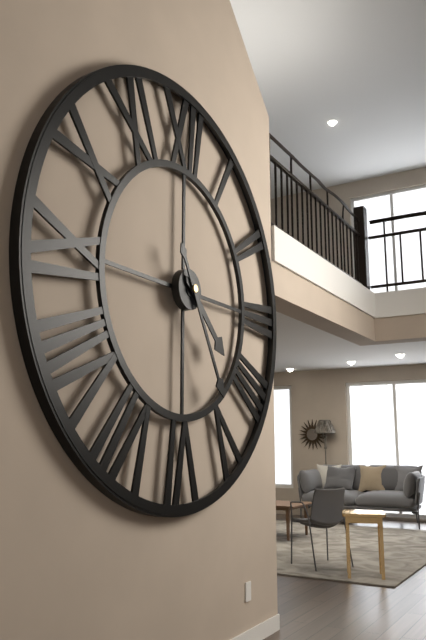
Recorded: h=4 m=25
